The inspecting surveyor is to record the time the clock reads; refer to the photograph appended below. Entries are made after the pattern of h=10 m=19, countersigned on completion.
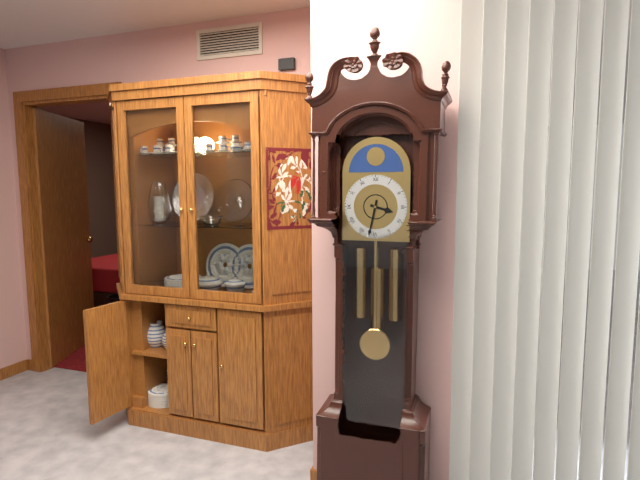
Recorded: h=3 m=32
